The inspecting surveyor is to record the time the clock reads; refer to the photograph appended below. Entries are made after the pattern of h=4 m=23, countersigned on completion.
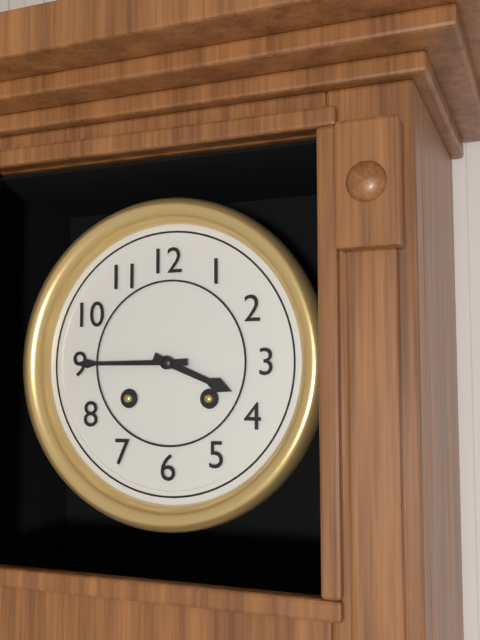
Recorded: h=3 m=45
